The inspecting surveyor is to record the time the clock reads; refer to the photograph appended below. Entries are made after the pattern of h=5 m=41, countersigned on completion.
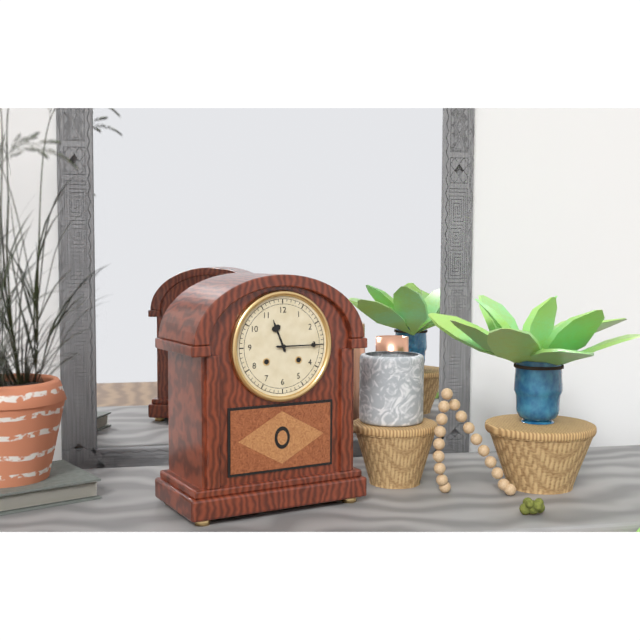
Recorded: h=11 m=15
